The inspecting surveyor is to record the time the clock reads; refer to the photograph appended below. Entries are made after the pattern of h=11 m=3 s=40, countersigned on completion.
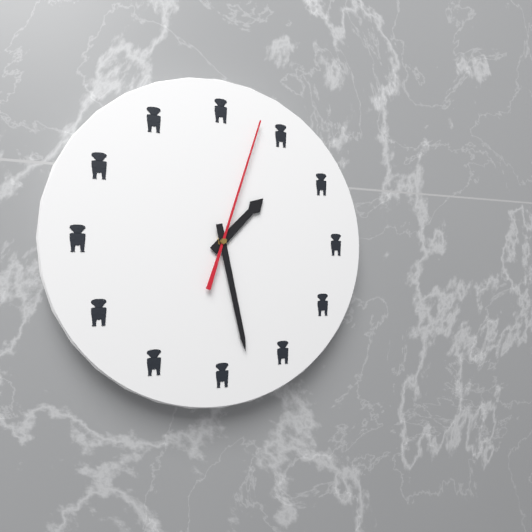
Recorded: h=1 m=28 s=3
